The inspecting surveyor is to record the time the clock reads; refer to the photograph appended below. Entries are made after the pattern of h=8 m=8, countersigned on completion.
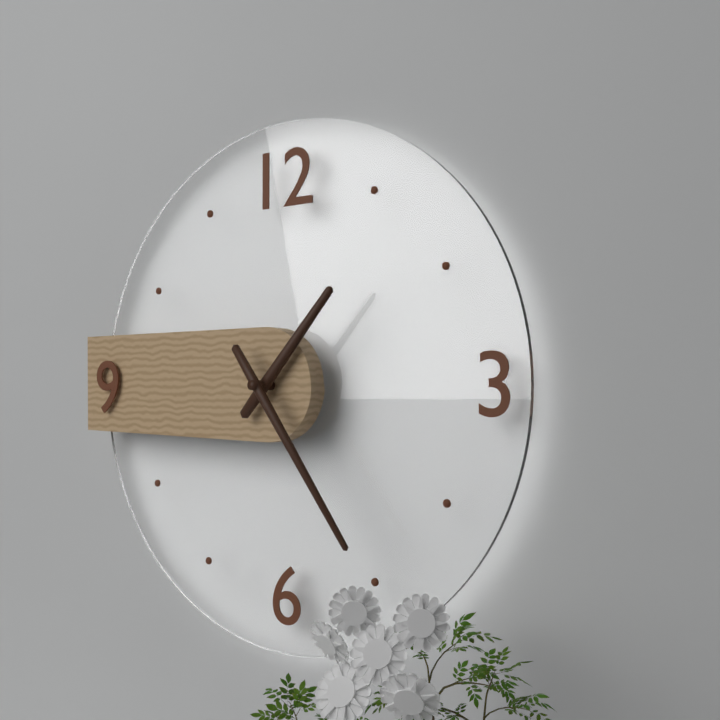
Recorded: h=1 m=24
